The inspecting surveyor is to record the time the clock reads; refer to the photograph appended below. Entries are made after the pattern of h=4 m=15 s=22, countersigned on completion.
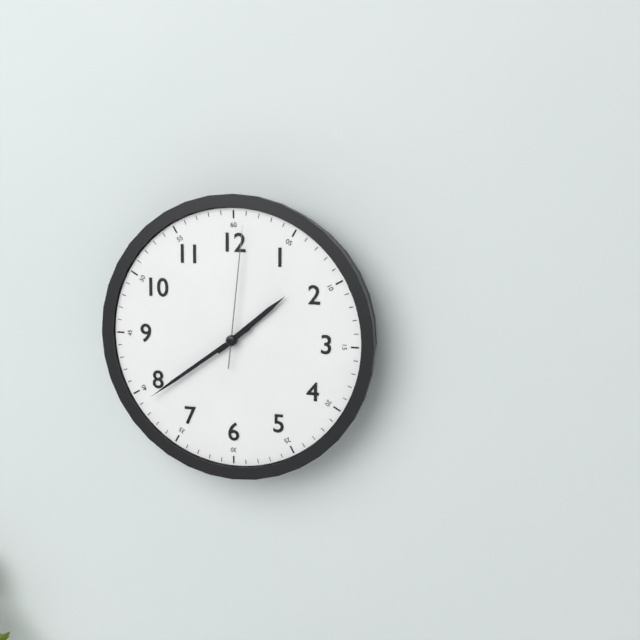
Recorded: h=1 m=39 s=1
